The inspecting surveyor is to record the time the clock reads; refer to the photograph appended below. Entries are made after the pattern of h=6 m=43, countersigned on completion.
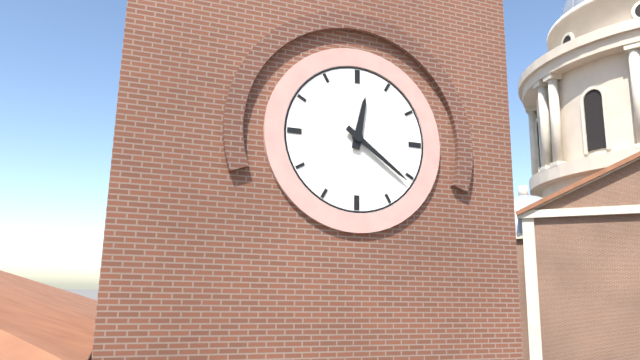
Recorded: h=12 m=21
